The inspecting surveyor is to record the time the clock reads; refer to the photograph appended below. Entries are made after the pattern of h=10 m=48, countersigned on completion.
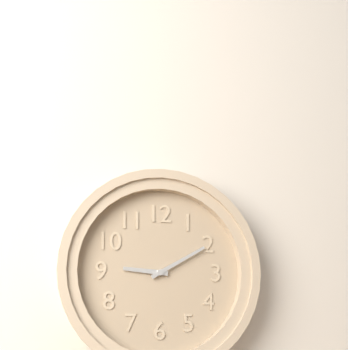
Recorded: h=9 m=10
